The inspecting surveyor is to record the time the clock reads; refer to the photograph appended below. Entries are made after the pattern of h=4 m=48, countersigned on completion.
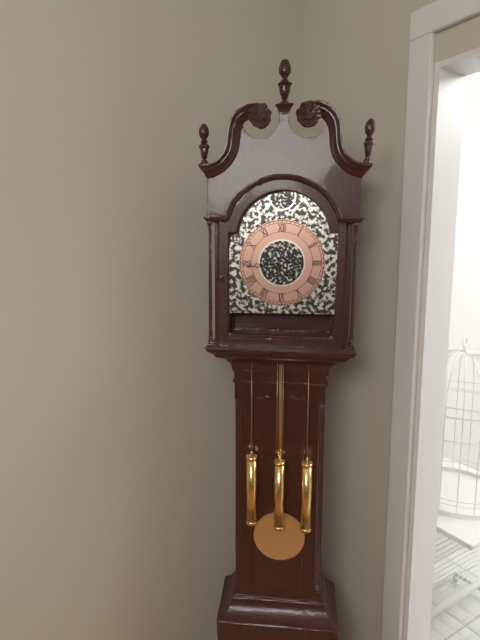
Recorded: h=4 m=44
